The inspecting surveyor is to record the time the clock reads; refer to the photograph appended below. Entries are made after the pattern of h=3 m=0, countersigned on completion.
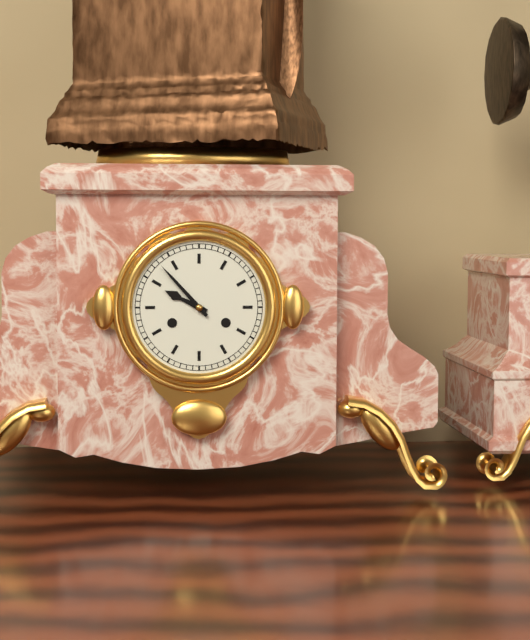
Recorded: h=9 m=53
